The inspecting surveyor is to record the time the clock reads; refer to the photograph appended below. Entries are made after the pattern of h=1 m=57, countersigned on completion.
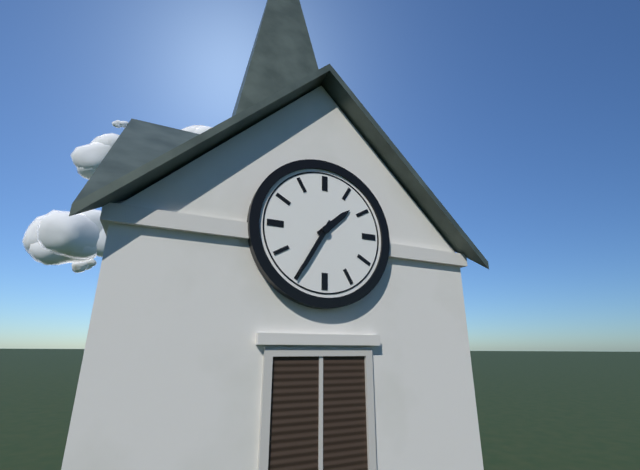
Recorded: h=1 m=35
